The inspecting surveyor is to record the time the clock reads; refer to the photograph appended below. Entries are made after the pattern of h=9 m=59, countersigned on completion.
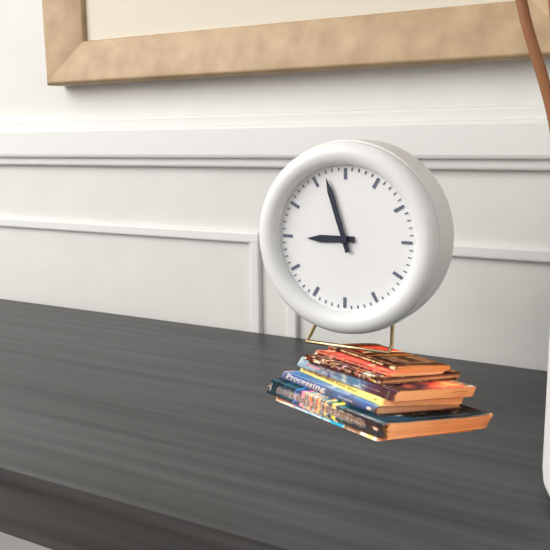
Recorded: h=8 m=57
